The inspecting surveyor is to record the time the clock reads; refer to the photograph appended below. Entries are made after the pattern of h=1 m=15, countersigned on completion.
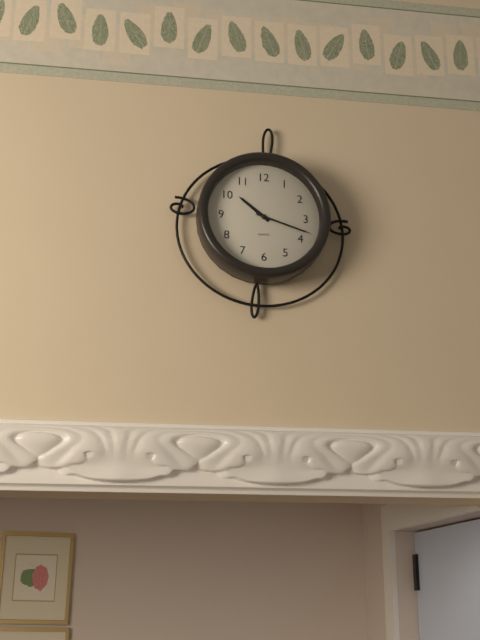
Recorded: h=10 m=18
